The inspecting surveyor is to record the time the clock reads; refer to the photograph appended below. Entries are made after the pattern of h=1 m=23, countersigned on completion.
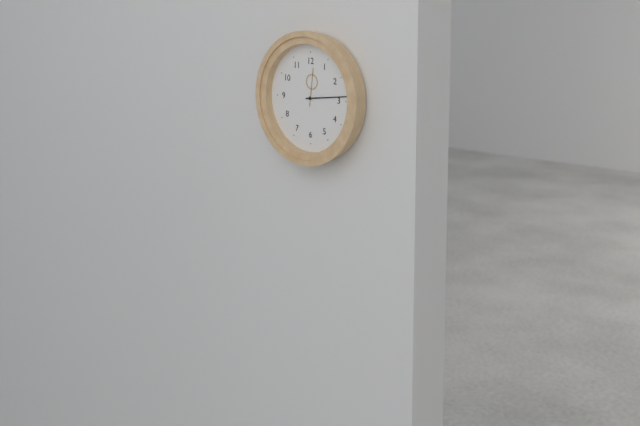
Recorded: h=12 m=14
